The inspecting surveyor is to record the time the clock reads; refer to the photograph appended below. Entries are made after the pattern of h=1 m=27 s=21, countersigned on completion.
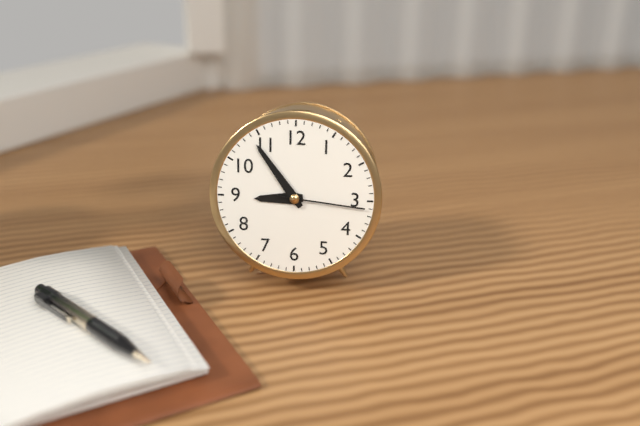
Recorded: h=8 m=54 s=16
